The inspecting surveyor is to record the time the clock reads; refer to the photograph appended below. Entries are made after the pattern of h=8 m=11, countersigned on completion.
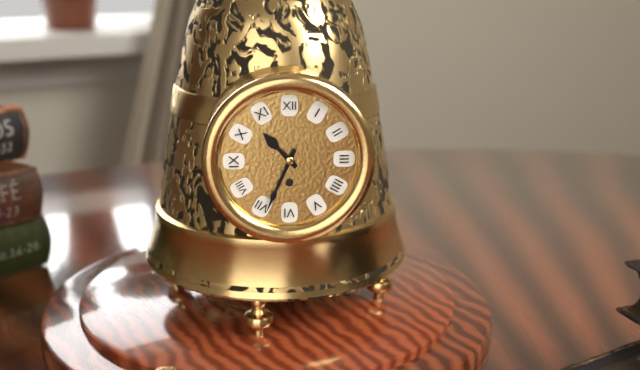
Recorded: h=10 m=34
